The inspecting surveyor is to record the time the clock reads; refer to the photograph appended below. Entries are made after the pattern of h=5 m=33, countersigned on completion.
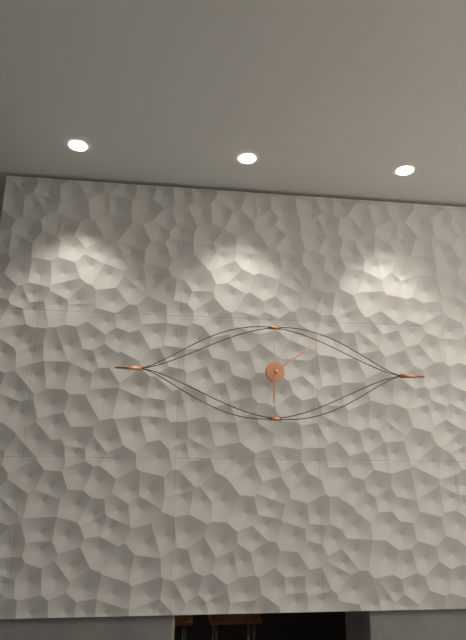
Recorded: h=6 m=9
